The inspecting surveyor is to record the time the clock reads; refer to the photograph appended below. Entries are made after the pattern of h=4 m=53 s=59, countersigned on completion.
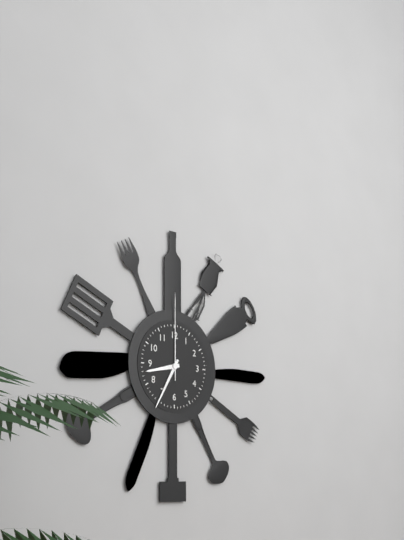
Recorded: h=8 m=35 s=0
